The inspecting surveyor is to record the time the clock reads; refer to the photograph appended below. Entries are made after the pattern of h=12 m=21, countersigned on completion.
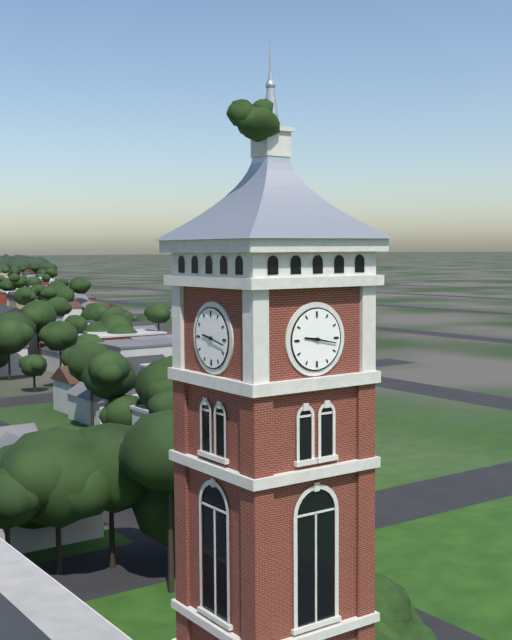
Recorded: h=9 m=17
